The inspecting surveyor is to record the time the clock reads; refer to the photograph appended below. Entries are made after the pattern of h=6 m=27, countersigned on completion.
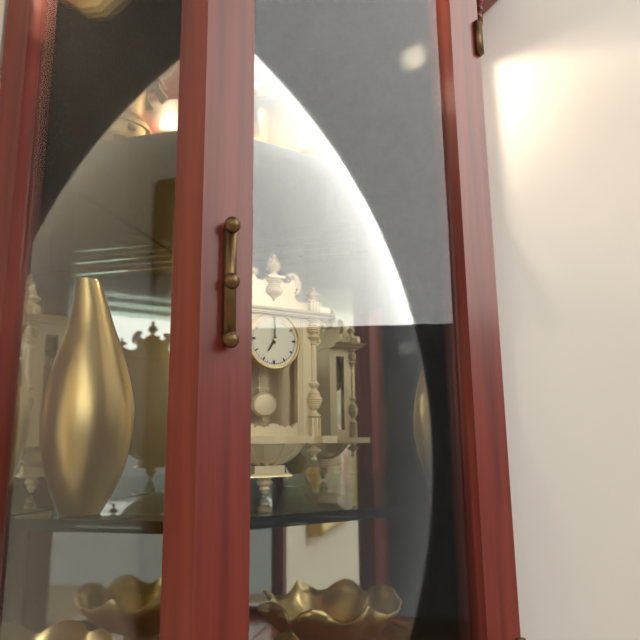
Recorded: h=7 m=0
